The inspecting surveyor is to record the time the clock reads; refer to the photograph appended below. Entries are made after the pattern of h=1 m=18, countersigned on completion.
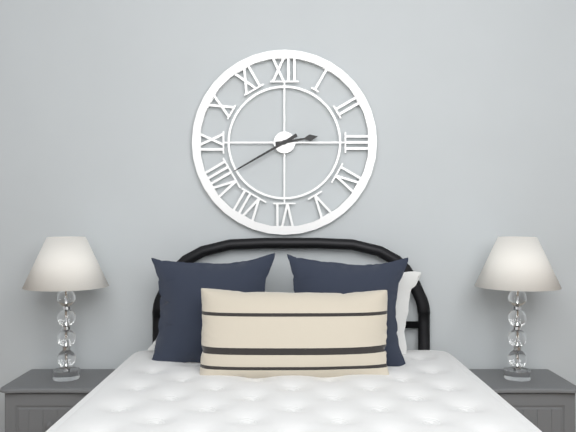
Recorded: h=2 m=40
